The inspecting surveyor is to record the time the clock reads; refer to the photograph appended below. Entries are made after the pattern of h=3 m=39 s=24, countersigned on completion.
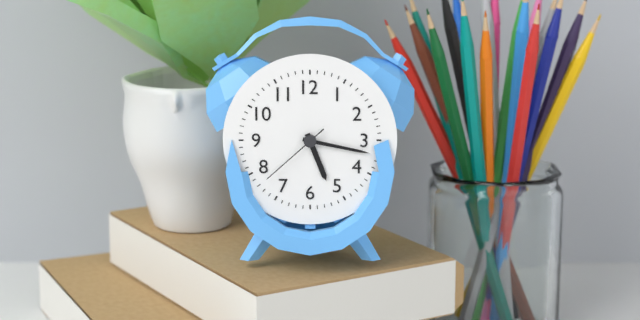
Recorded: h=5 m=17 s=38
